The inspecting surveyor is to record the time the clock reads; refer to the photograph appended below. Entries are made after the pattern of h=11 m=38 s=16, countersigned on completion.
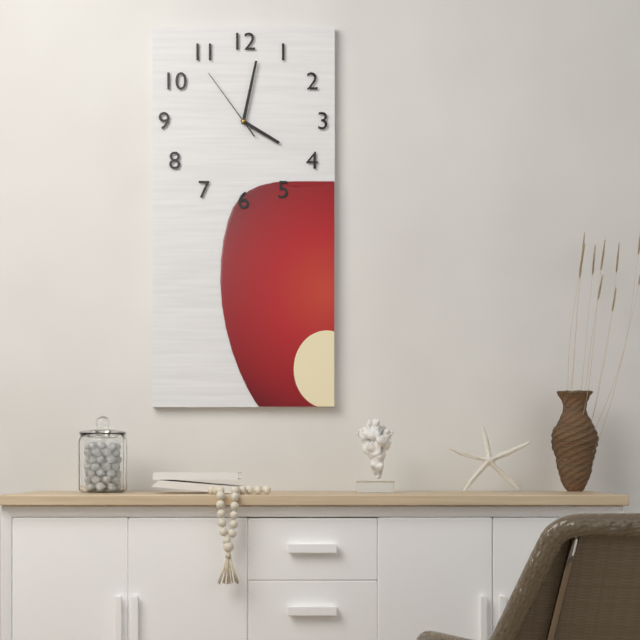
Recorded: h=4 m=2 s=54
